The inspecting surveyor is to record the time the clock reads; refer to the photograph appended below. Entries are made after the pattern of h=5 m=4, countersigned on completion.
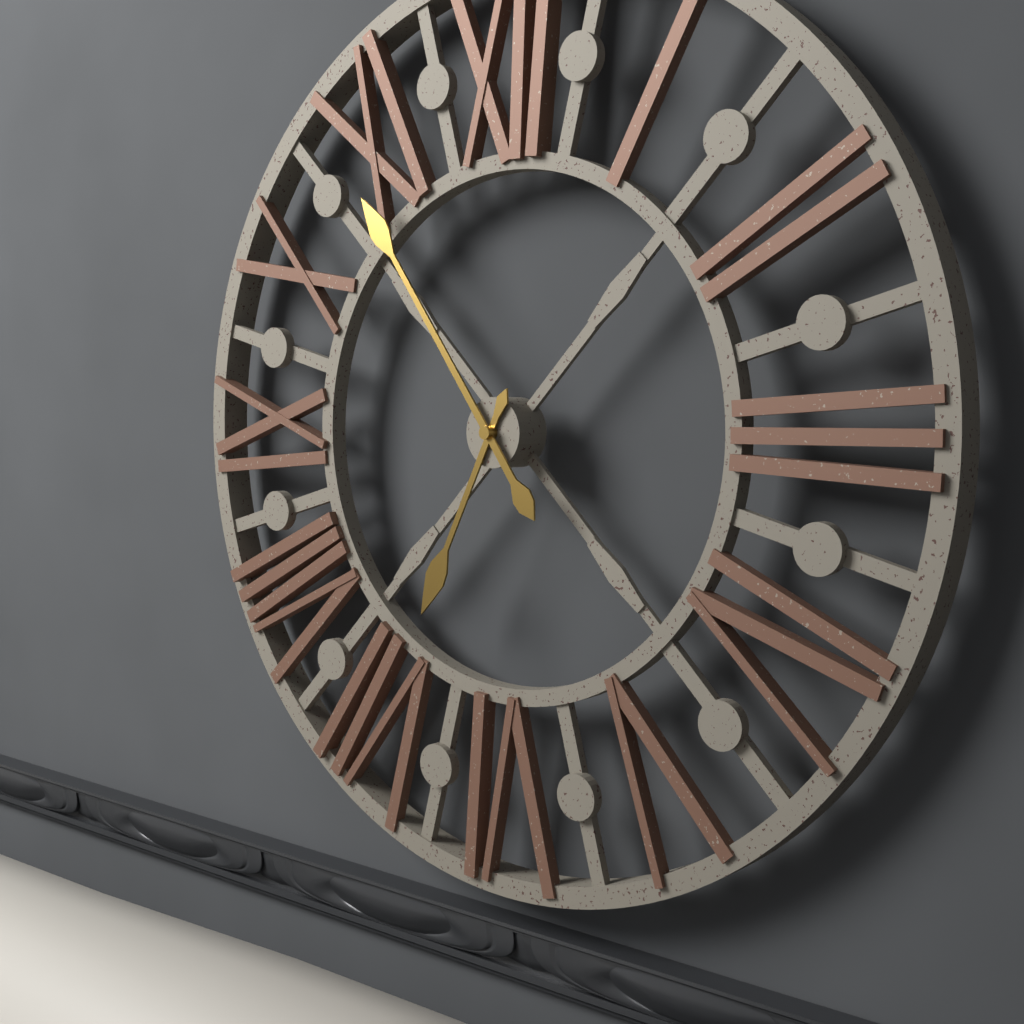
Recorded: h=6 m=54
